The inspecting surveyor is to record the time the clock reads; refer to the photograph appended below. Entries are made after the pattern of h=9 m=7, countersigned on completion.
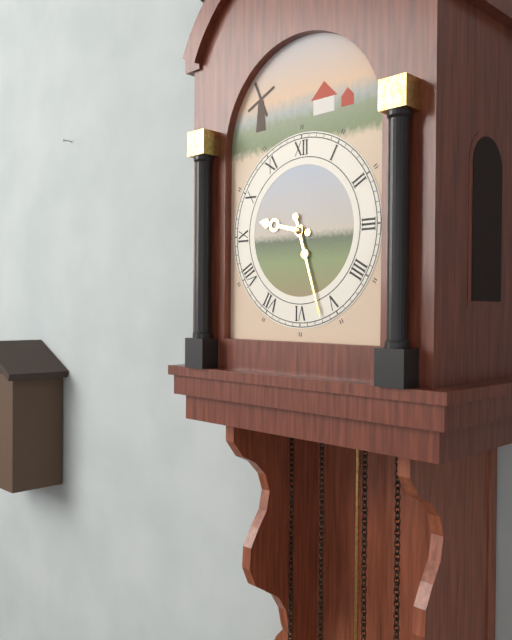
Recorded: h=9 m=27
